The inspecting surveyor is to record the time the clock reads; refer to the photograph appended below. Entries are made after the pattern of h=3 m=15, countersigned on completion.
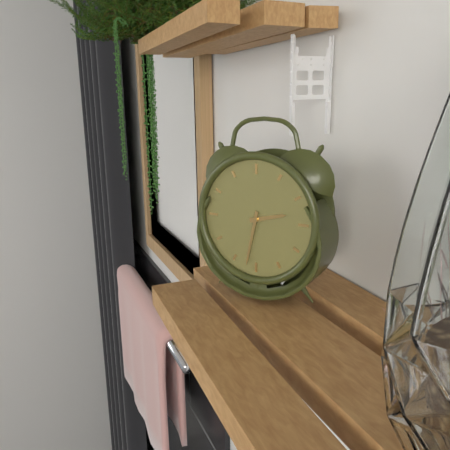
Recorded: h=2 m=32
